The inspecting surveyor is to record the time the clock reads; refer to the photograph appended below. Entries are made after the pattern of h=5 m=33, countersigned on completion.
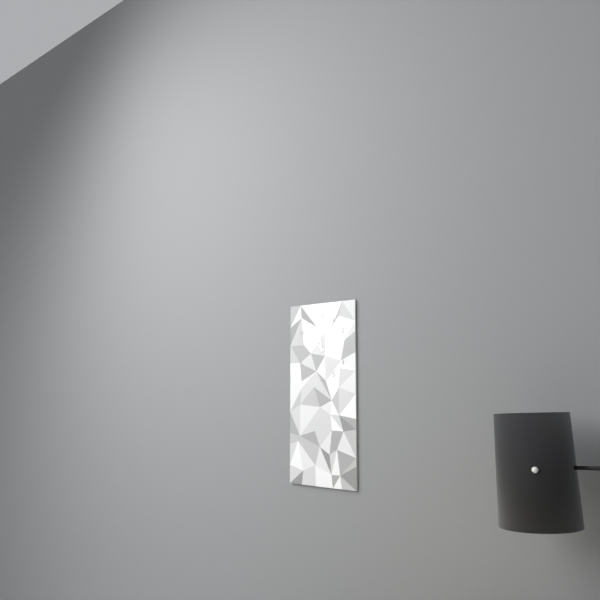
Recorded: h=11 m=51
